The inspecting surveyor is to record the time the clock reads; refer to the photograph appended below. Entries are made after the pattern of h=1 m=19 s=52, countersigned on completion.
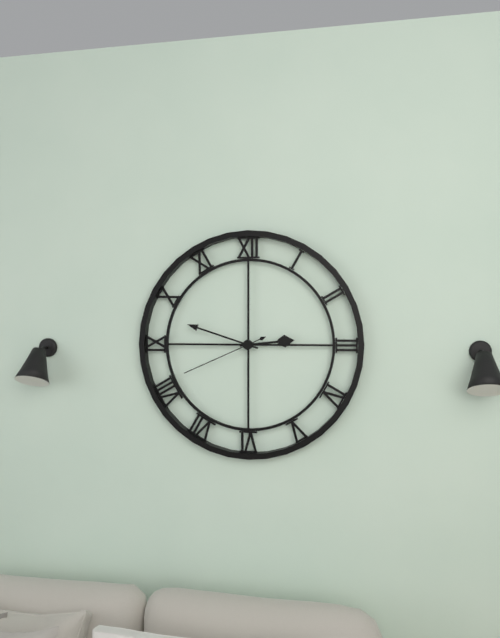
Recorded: h=2 m=48 s=41
